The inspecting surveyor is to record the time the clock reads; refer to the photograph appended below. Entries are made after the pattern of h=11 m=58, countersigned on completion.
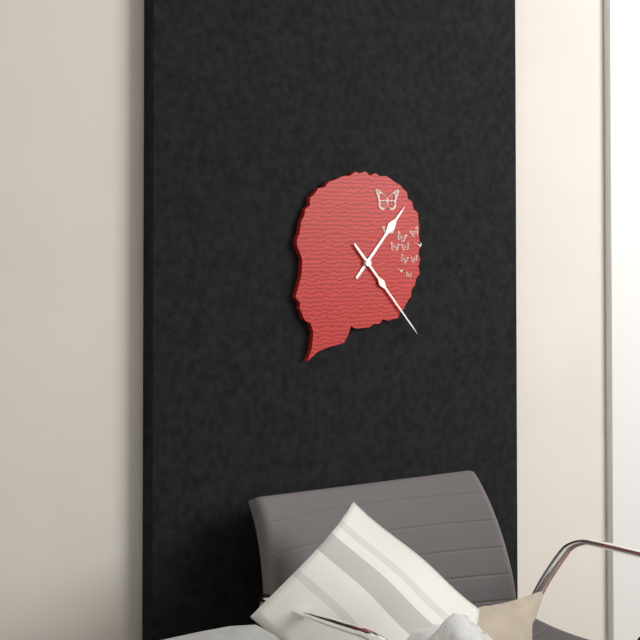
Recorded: h=1 m=23
